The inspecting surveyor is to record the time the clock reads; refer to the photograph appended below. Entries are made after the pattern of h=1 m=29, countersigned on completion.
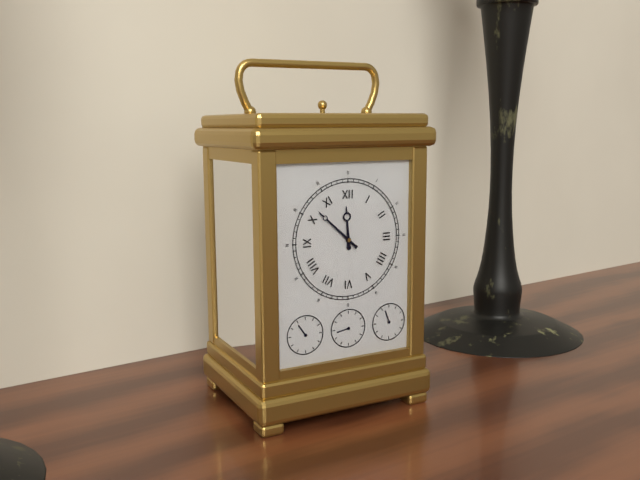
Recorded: h=11 m=52
